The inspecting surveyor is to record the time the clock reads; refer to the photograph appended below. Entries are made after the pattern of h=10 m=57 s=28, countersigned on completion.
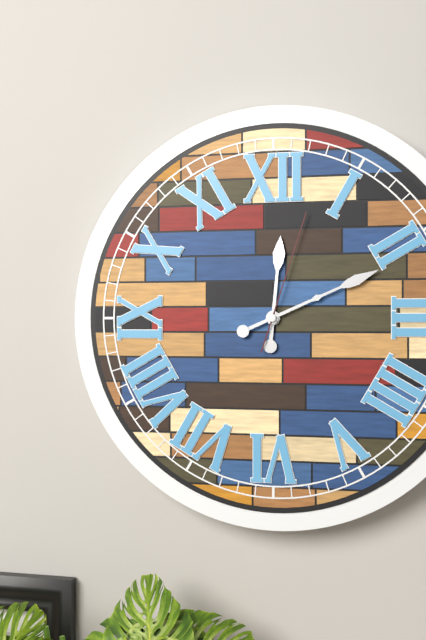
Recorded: h=12 m=11 s=3
